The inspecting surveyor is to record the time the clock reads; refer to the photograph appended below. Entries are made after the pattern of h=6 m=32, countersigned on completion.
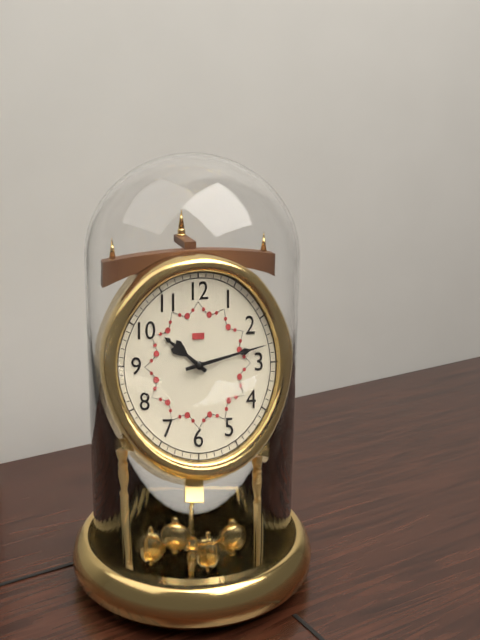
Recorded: h=10 m=13
